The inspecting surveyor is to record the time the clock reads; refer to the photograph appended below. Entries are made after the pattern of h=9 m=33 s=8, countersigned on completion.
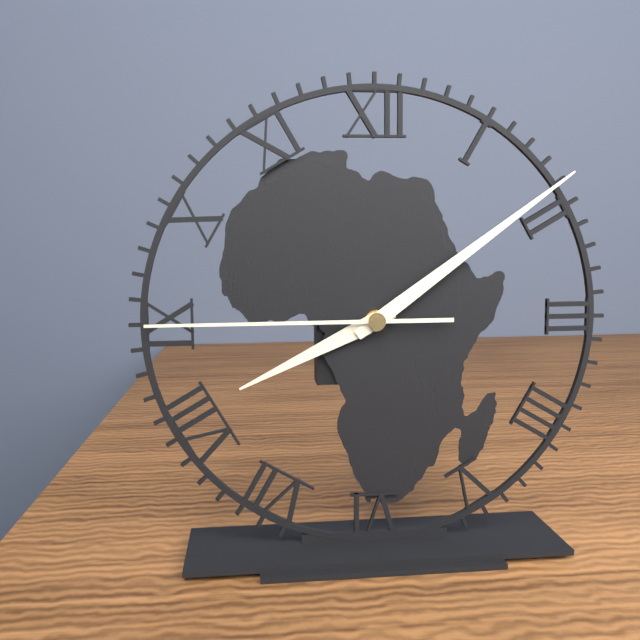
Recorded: h=8 m=9 s=45
